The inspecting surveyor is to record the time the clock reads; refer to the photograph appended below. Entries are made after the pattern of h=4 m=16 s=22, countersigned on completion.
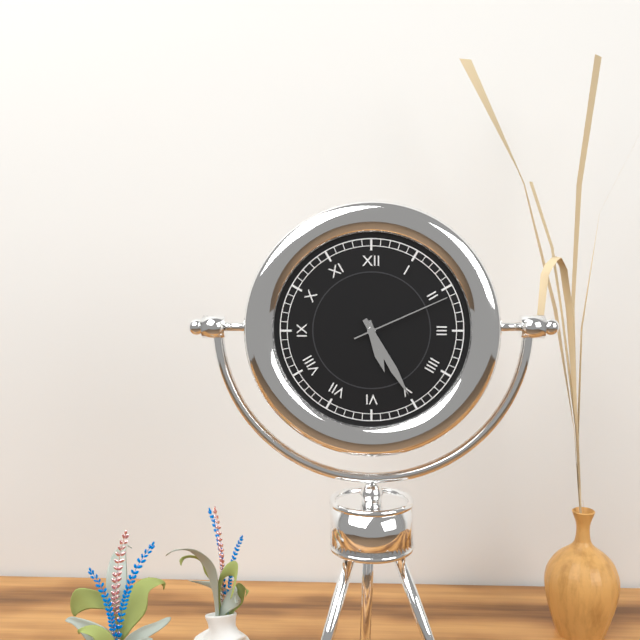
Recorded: h=5 m=25 s=11
